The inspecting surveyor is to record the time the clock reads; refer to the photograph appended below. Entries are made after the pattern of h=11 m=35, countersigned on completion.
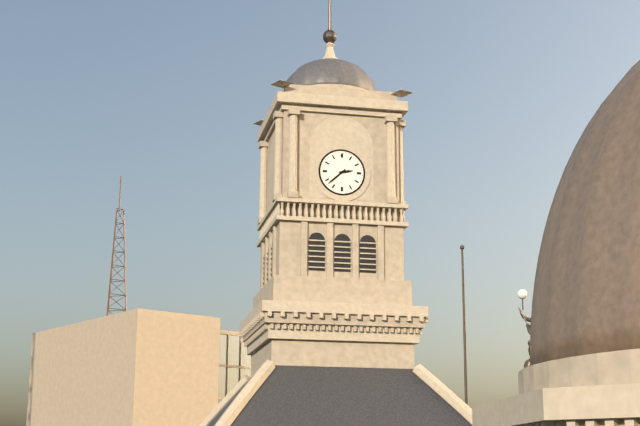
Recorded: h=2 m=38
